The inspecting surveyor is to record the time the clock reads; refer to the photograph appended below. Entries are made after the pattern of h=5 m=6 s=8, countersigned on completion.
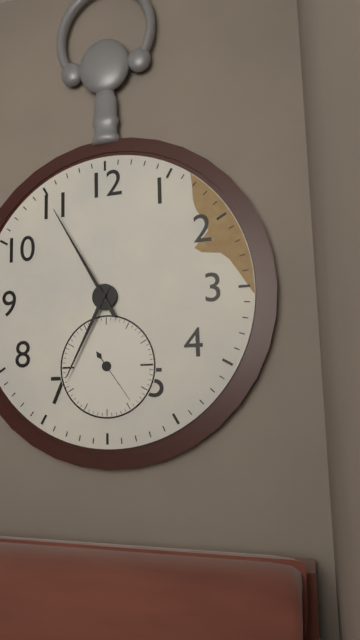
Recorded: h=6 m=55 s=24
